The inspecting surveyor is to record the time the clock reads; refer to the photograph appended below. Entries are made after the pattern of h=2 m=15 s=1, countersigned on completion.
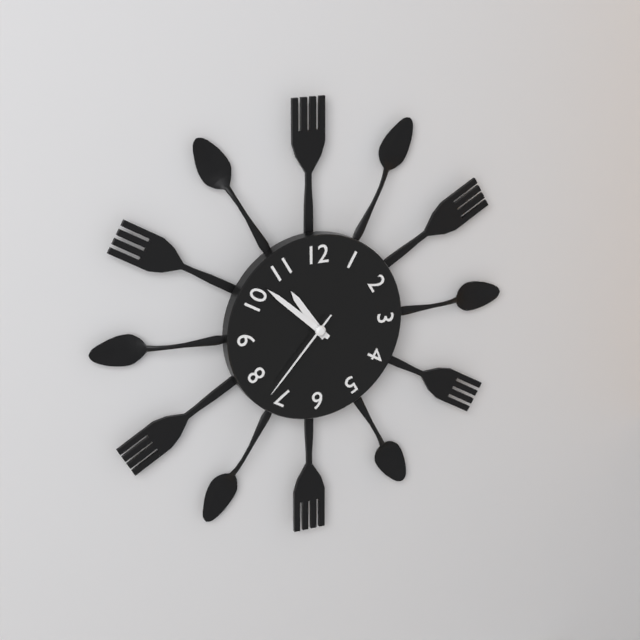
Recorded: h=10 m=52 s=37
